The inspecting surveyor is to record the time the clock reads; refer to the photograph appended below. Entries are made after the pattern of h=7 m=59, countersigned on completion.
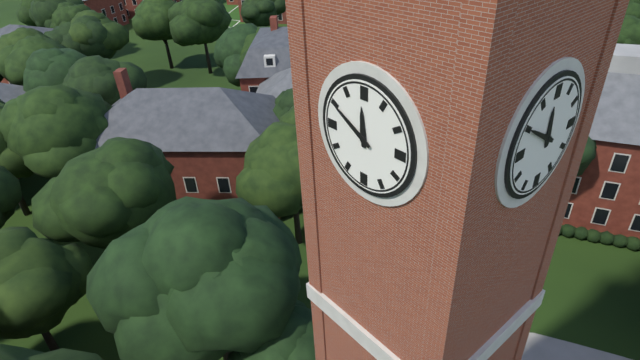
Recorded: h=11 m=50
